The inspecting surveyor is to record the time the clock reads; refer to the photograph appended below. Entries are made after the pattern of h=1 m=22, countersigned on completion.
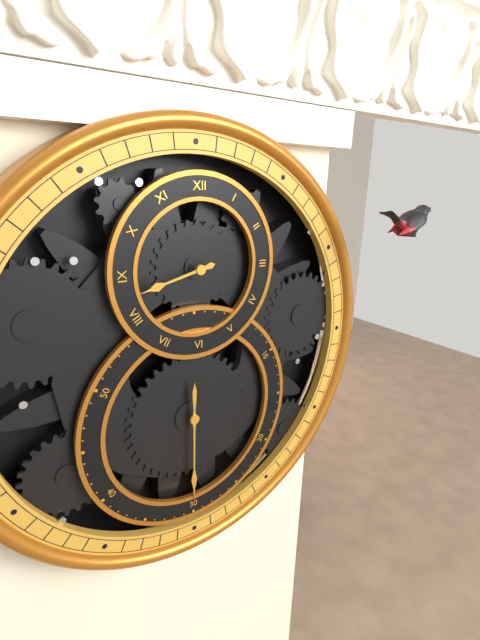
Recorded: h=8 m=30
